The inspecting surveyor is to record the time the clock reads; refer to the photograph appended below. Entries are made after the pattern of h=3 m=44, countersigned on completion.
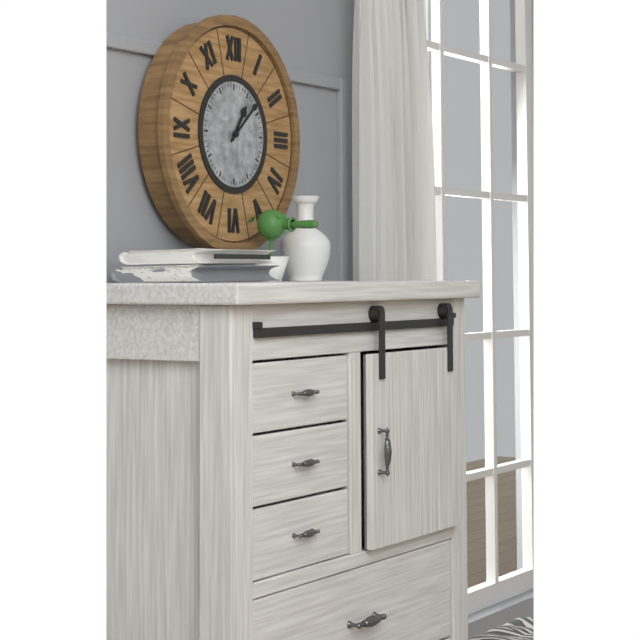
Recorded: h=1 m=8
